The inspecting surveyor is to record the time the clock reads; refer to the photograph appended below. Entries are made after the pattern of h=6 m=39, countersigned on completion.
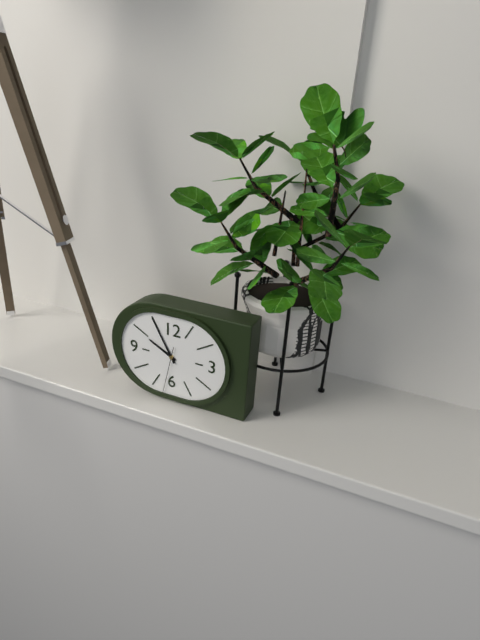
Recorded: h=9 m=55
